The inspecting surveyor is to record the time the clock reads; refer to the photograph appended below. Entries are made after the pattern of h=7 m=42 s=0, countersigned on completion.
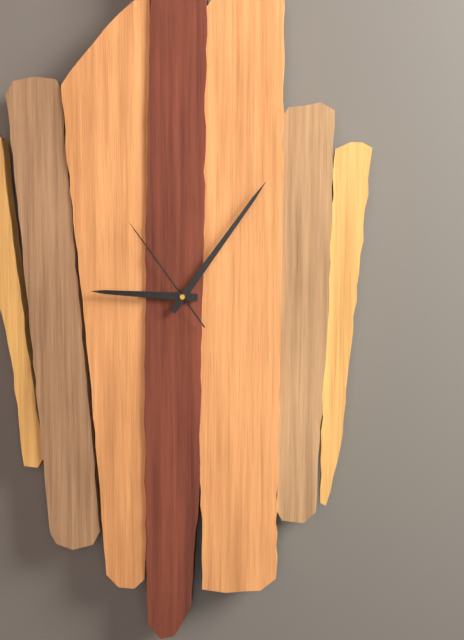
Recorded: h=9 m=6 s=54
